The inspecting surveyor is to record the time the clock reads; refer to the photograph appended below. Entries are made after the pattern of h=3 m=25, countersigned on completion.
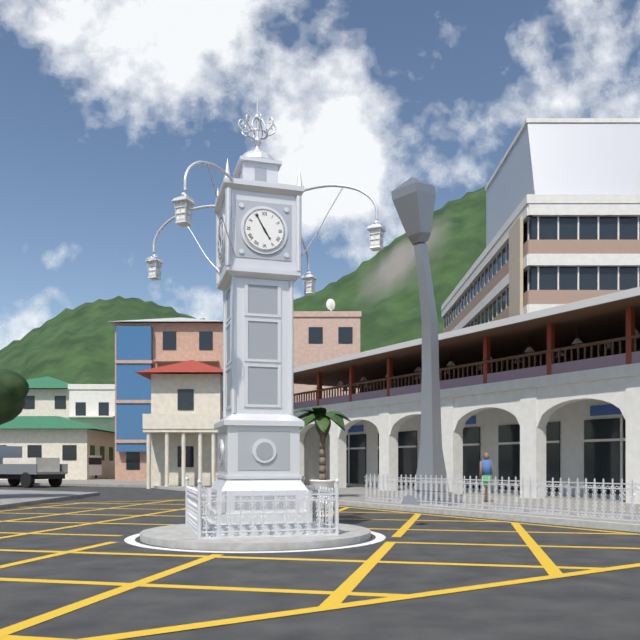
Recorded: h=4 m=55
